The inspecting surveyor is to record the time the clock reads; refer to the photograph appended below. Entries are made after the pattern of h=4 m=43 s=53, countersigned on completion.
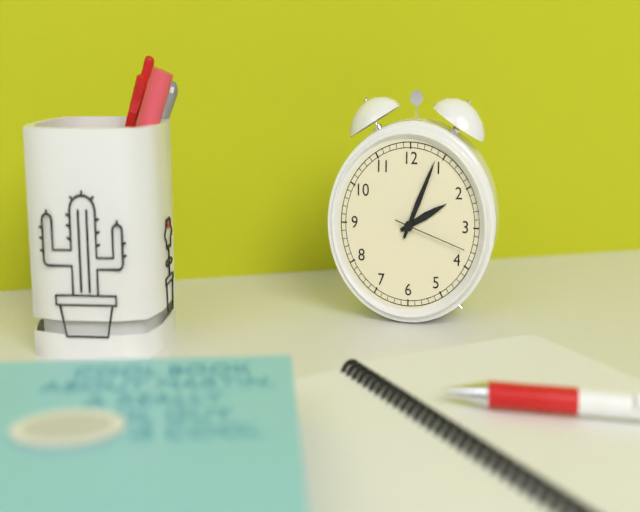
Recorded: h=2 m=4 s=18
